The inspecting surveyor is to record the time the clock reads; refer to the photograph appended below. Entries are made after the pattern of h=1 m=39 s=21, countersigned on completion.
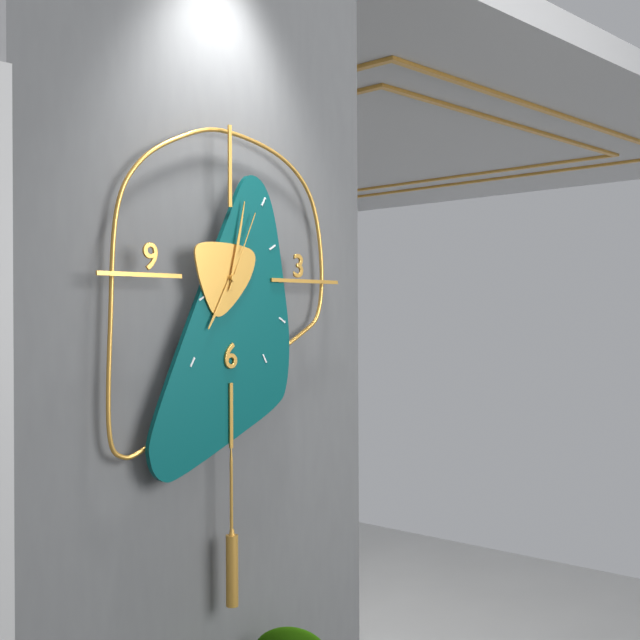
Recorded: h=7 m=2 s=4
